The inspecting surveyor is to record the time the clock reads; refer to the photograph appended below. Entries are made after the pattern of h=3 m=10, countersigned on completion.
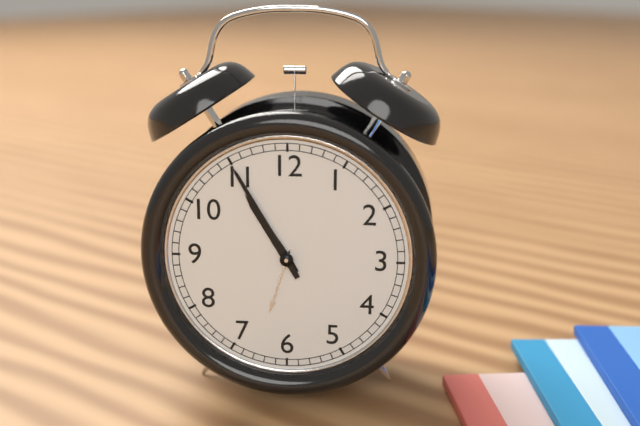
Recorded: h=10 m=55
